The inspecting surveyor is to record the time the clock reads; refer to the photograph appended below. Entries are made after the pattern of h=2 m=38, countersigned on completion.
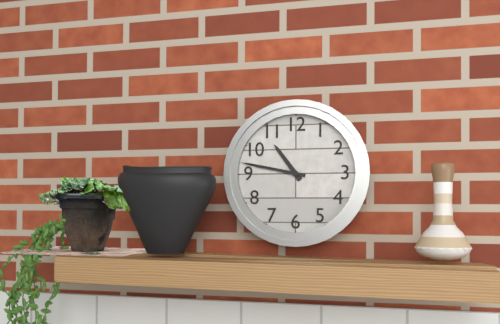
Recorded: h=10 m=47
